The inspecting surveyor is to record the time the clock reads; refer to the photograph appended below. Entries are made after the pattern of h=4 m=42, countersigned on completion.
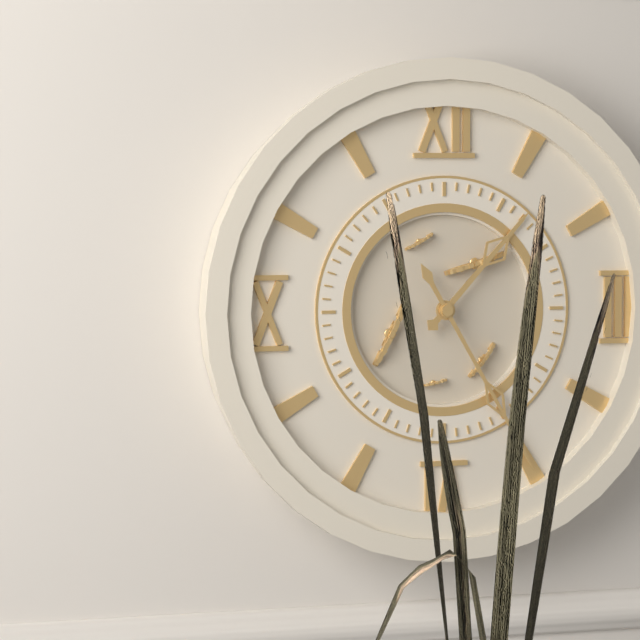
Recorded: h=1 m=25
